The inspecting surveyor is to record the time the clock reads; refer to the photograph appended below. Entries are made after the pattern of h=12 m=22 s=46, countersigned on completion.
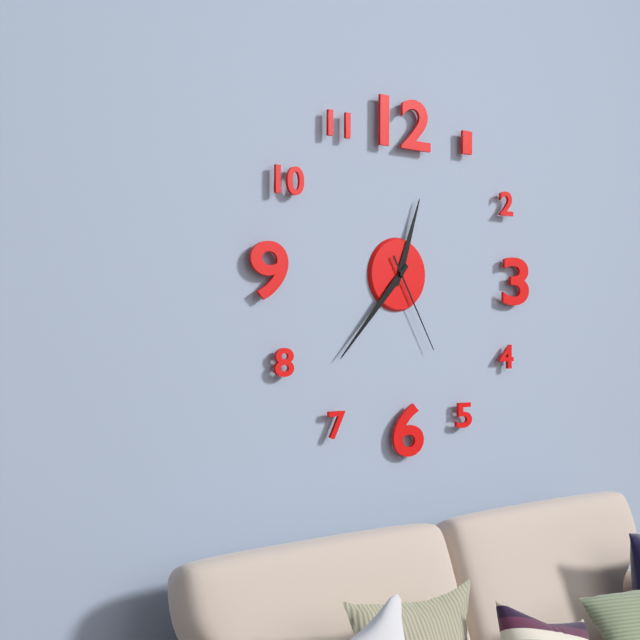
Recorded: h=12 m=37 s=25
